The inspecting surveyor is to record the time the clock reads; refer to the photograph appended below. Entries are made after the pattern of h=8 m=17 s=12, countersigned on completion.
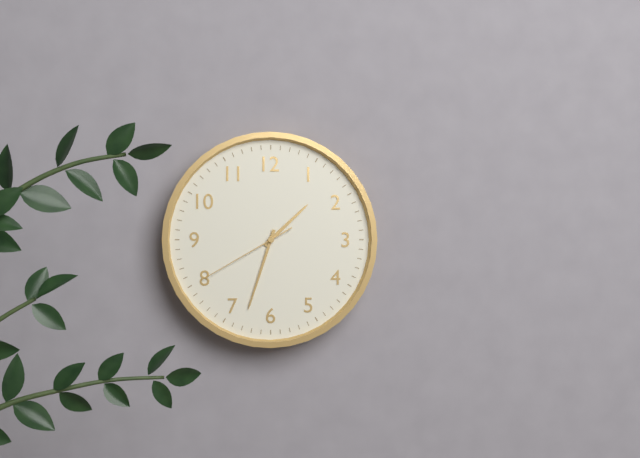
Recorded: h=1 m=33 s=40
